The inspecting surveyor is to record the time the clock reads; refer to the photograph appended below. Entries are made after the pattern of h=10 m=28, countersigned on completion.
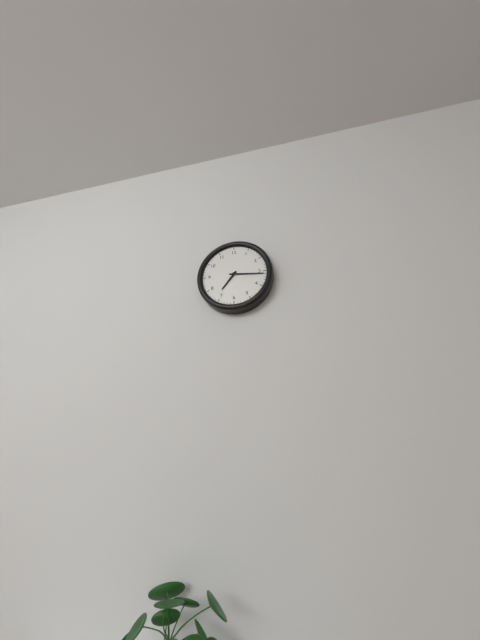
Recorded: h=7 m=16
